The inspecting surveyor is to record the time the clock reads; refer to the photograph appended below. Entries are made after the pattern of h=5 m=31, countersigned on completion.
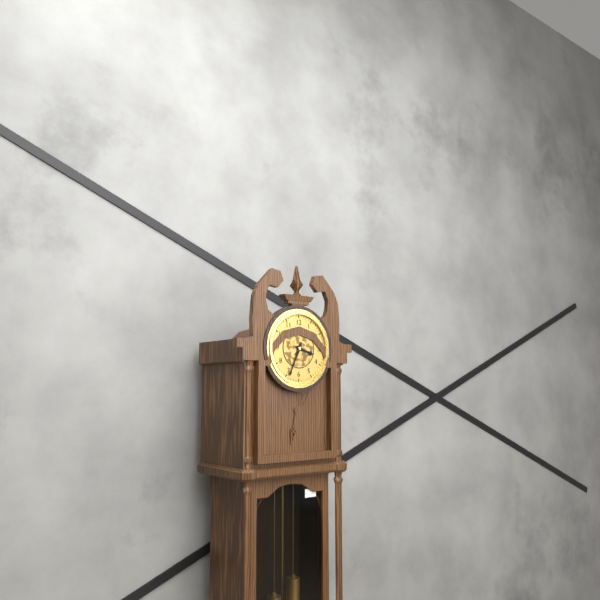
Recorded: h=3 m=34
